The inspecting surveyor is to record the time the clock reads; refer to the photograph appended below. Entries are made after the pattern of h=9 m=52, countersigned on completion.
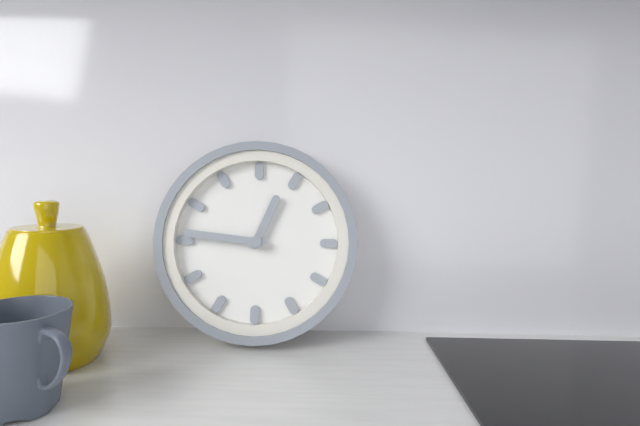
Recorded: h=12 m=46
